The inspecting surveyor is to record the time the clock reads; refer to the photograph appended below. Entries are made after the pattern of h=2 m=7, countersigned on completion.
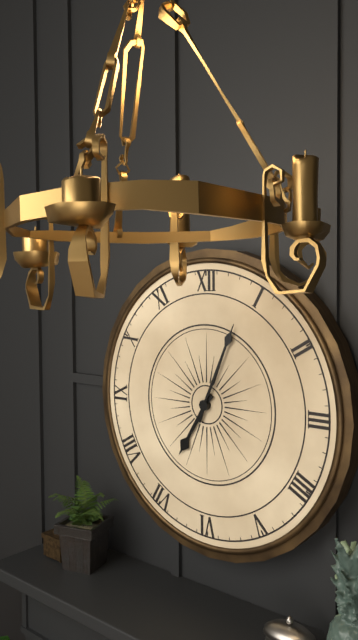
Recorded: h=7 m=4
